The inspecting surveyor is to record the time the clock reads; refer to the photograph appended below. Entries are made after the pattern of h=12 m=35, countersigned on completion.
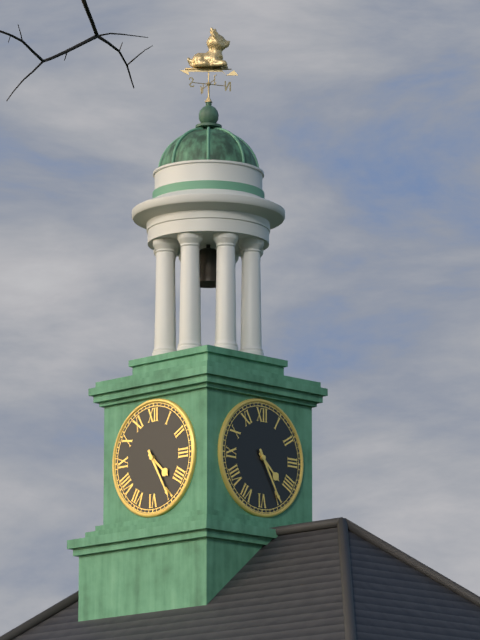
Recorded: h=4 m=25
